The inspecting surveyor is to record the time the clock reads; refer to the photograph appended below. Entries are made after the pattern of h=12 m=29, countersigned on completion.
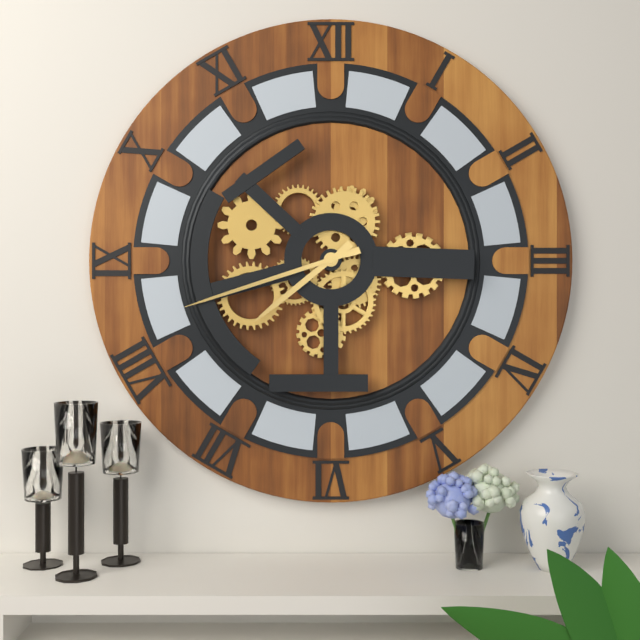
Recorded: h=7 m=42
